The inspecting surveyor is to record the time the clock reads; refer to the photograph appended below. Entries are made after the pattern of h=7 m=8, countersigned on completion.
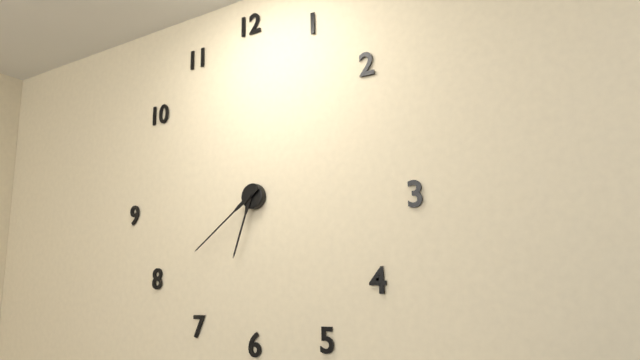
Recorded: h=6 m=39
